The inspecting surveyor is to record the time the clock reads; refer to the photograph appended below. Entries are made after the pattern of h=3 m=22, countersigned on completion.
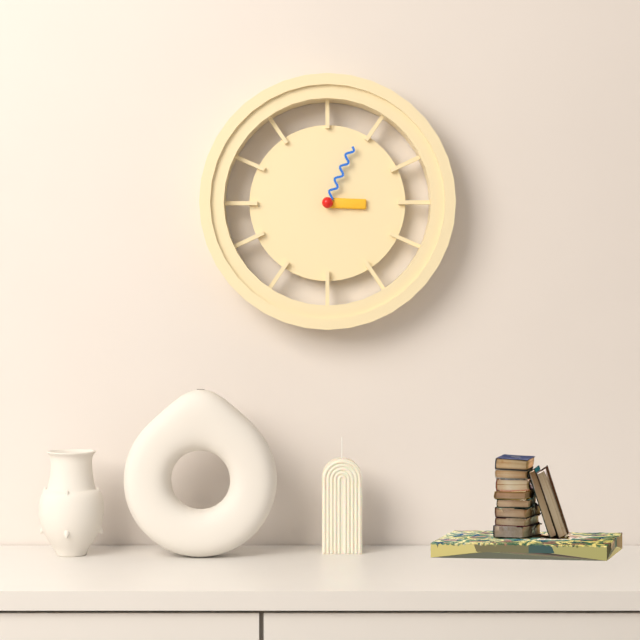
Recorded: h=3 m=4
